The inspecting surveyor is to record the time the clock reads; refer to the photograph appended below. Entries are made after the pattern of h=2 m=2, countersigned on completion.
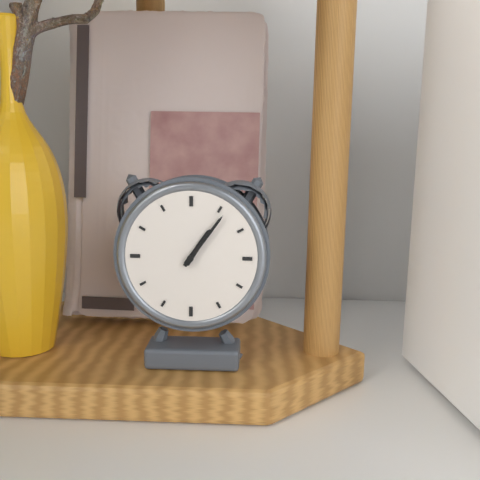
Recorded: h=1 m=6
